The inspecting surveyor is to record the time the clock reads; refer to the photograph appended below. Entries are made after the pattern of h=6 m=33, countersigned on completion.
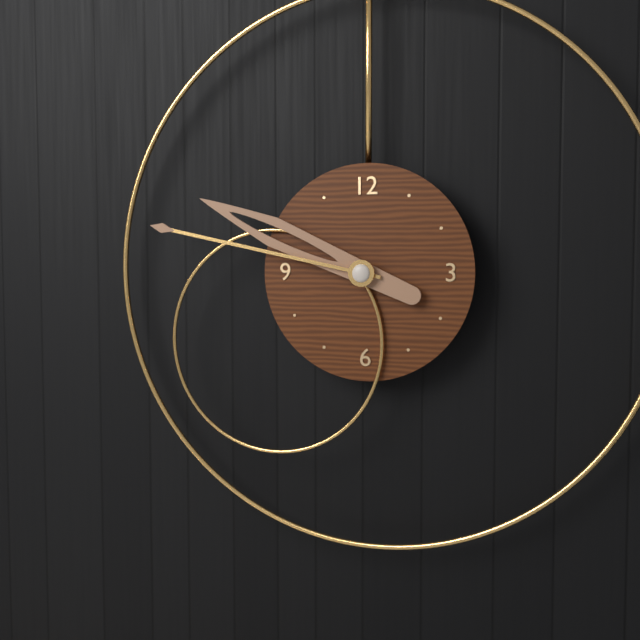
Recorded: h=9 m=47
